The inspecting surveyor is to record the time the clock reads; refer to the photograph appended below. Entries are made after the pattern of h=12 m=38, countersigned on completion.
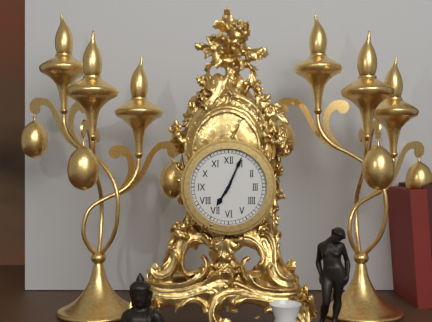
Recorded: h=7 m=4
